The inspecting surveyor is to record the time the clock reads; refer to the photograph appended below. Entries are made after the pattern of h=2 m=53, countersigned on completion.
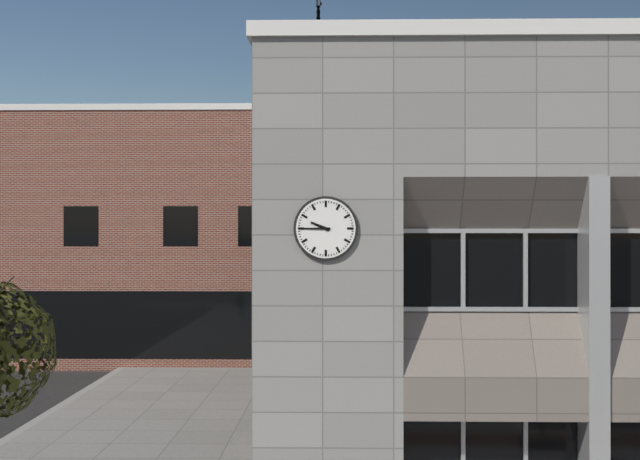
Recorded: h=9 m=45
